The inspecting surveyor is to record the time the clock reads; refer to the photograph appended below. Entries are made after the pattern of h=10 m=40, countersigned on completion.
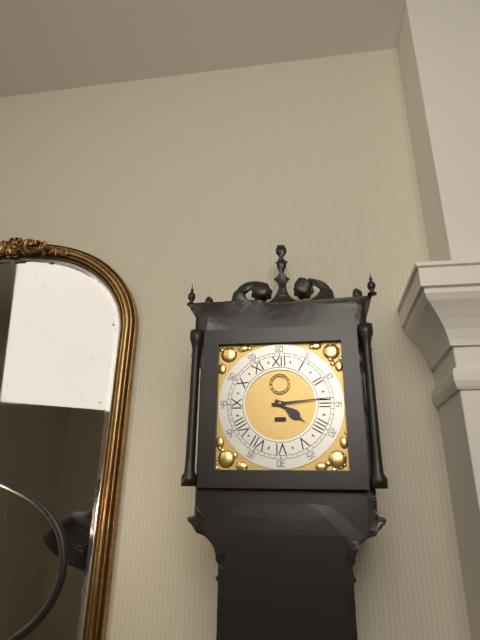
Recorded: h=4 m=14
